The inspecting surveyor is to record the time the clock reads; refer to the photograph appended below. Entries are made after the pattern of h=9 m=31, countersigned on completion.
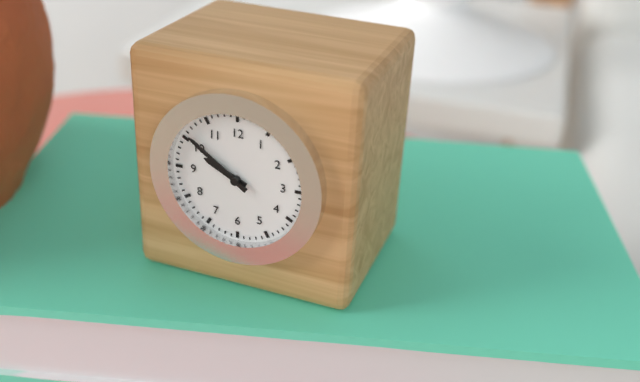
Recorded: h=9 m=51
